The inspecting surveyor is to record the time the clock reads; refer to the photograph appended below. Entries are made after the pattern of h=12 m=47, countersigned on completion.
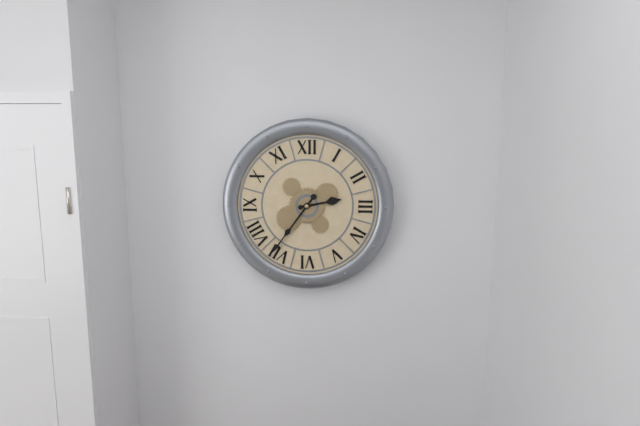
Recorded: h=2 m=36
